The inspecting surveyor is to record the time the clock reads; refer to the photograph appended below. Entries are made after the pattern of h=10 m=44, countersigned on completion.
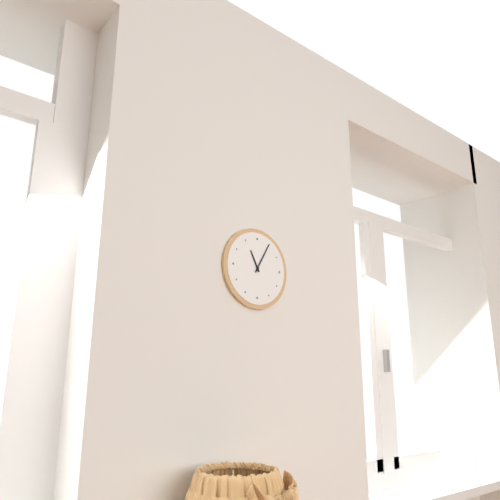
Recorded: h=11 m=5
